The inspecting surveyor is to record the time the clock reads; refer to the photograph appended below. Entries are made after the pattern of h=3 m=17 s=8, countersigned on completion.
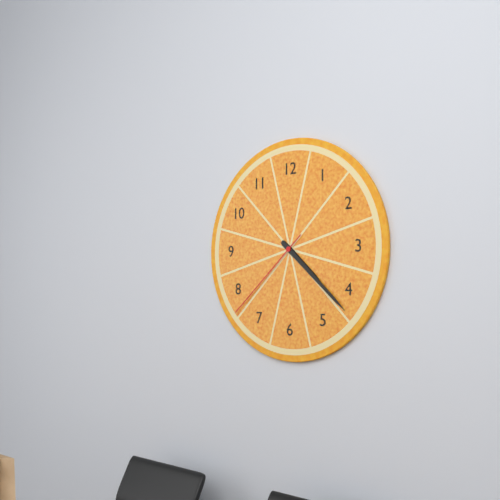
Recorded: h=4 m=22 s=38
